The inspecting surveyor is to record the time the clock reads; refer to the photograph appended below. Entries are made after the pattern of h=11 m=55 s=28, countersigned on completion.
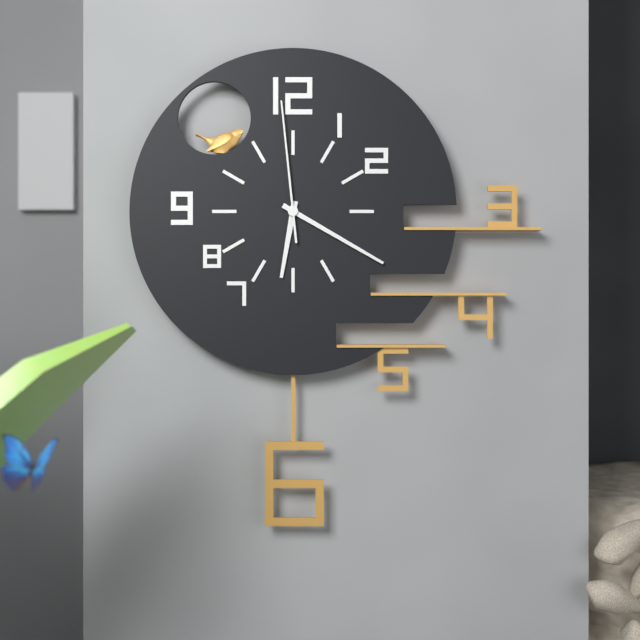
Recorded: h=6 m=20 s=59
